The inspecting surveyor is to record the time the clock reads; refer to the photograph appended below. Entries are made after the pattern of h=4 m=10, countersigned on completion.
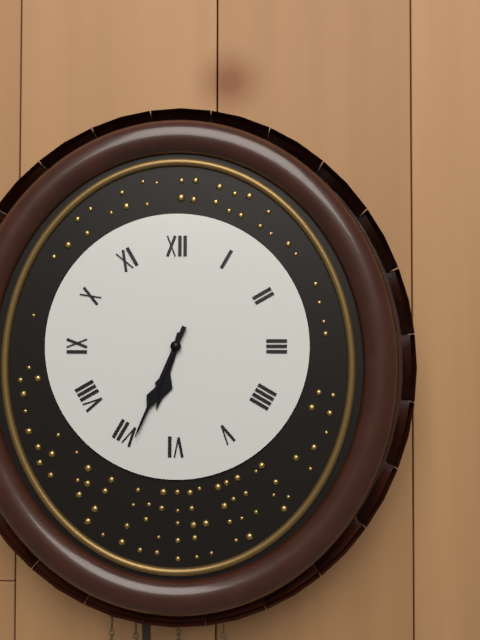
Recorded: h=6 m=34
